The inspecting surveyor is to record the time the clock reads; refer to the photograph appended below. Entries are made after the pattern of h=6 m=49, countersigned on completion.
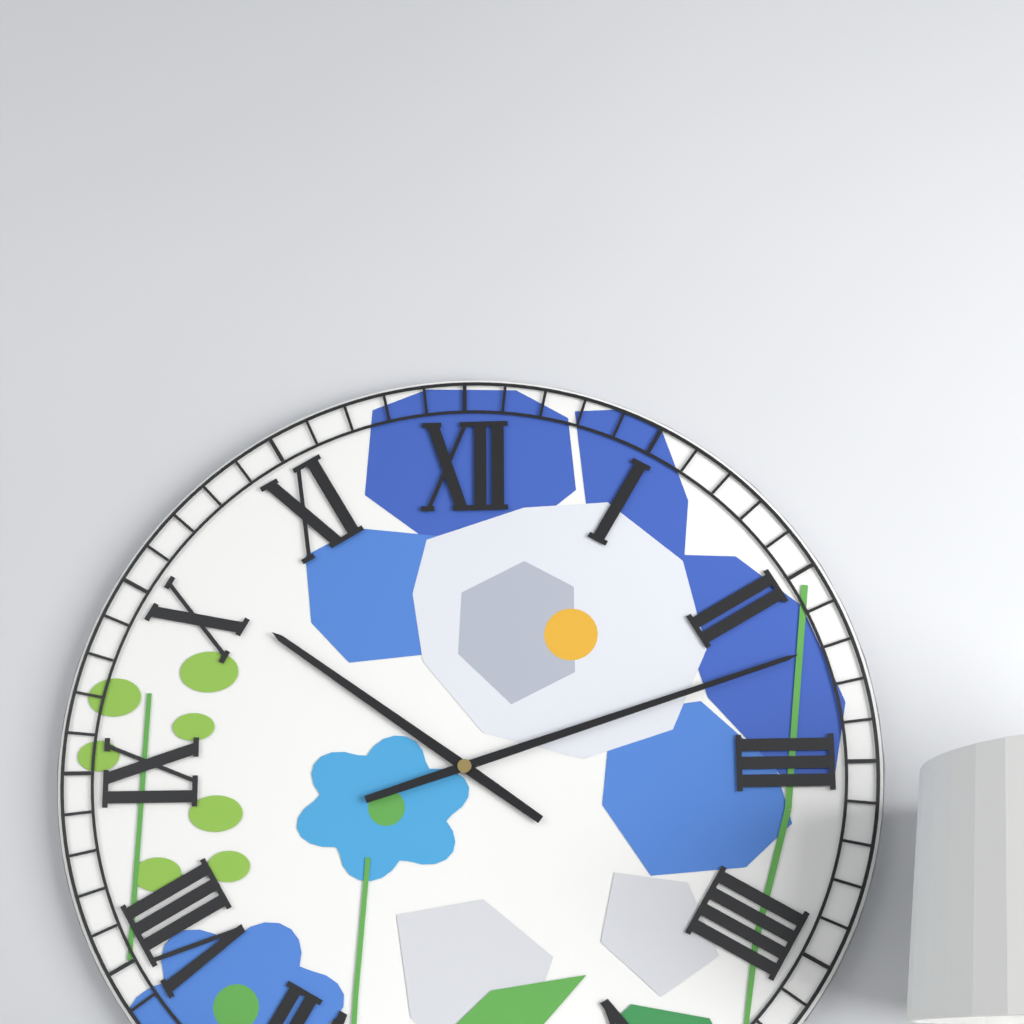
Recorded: h=10 m=12
